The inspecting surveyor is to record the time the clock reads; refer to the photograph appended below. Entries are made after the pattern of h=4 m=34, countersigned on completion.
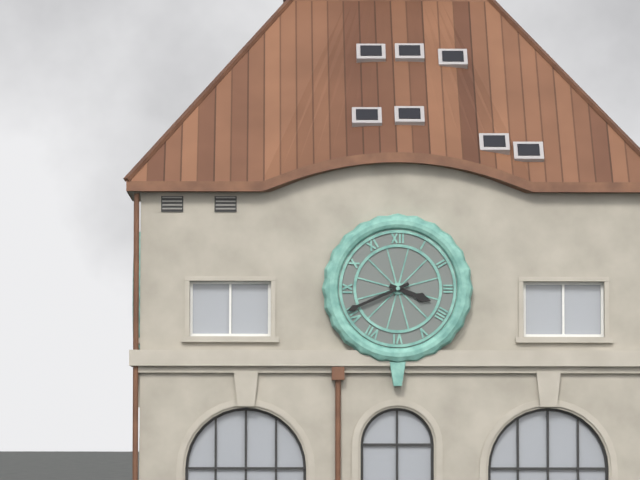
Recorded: h=3 m=41
